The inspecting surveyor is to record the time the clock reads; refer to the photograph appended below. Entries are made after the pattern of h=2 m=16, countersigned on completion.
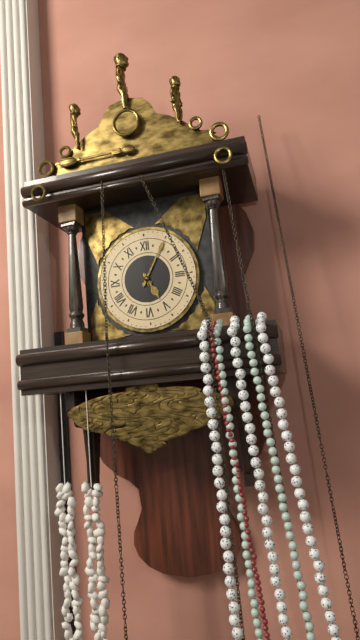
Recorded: h=5 m=5
